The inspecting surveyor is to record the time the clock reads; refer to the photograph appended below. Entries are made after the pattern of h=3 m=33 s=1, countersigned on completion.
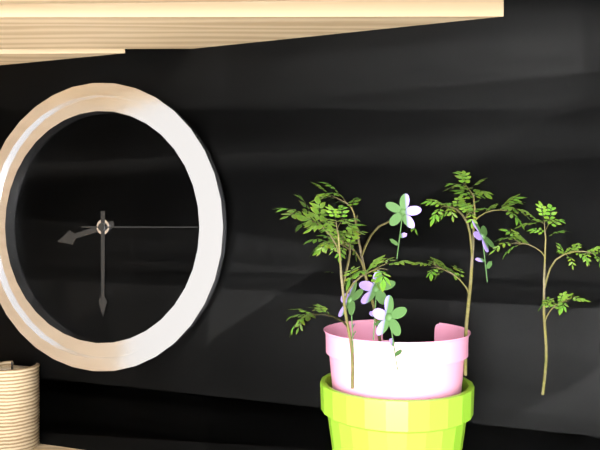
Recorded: h=8 m=30 s=15
